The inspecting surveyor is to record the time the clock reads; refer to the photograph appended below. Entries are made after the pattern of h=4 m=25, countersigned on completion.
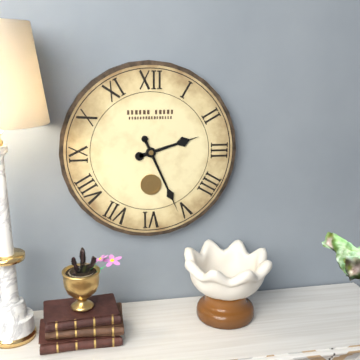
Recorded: h=2 m=26
